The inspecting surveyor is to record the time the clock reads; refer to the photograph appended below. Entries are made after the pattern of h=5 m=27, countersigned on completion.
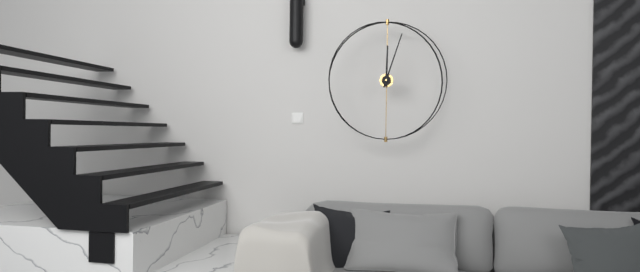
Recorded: h=12 m=3
